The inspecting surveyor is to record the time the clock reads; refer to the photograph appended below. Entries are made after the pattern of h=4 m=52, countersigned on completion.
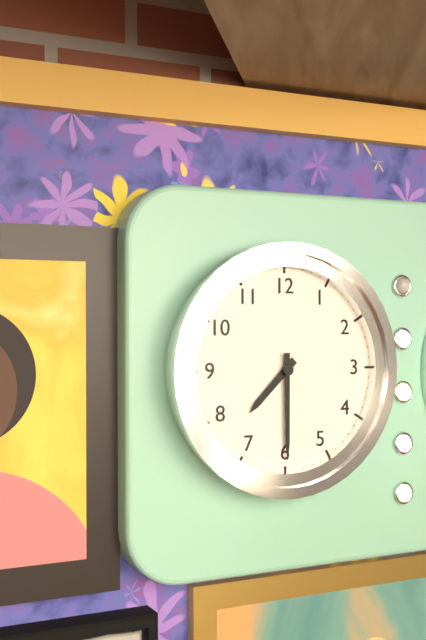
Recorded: h=7 m=30
